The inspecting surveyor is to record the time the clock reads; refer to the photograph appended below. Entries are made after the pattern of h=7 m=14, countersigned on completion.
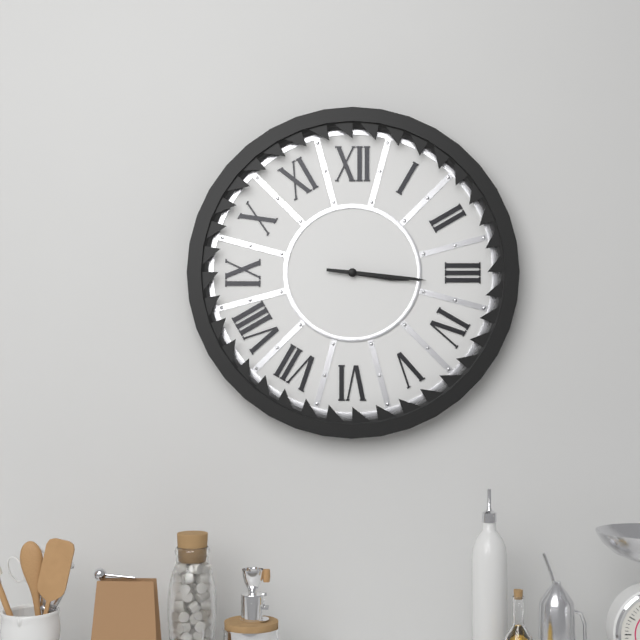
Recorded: h=3 m=16
